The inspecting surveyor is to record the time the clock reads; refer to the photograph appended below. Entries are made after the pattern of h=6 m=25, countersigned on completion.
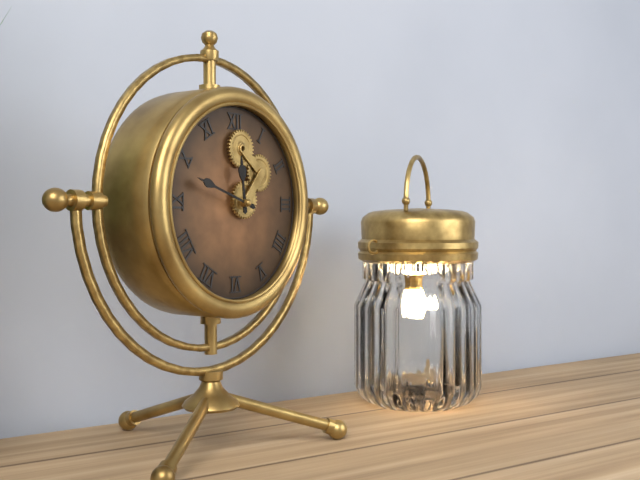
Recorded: h=11 m=48
